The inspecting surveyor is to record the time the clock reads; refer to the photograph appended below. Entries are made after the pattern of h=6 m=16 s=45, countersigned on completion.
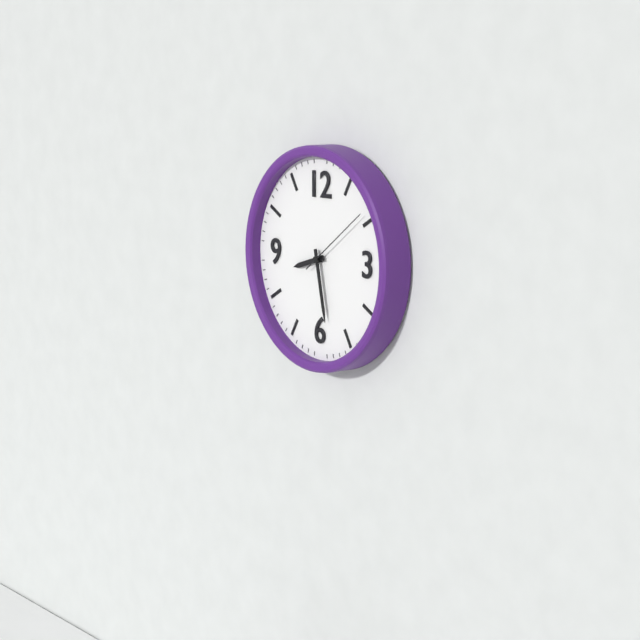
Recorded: h=8 m=28 s=9
